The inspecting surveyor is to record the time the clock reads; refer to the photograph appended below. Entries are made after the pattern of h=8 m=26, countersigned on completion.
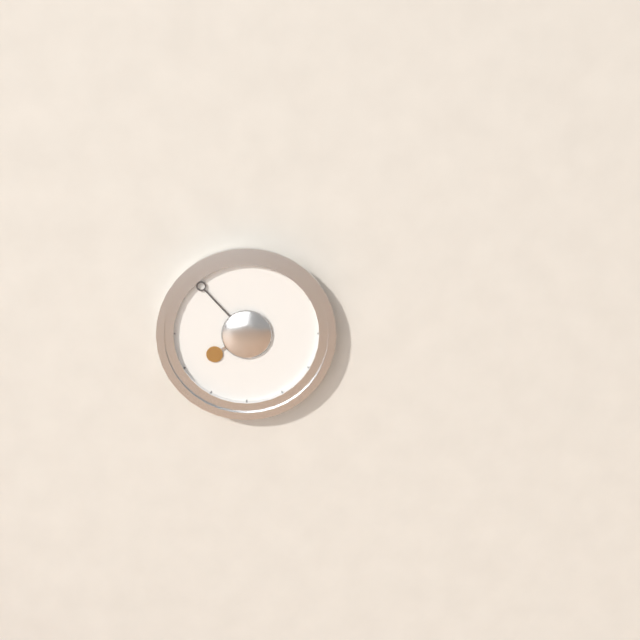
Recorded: h=7 m=53
